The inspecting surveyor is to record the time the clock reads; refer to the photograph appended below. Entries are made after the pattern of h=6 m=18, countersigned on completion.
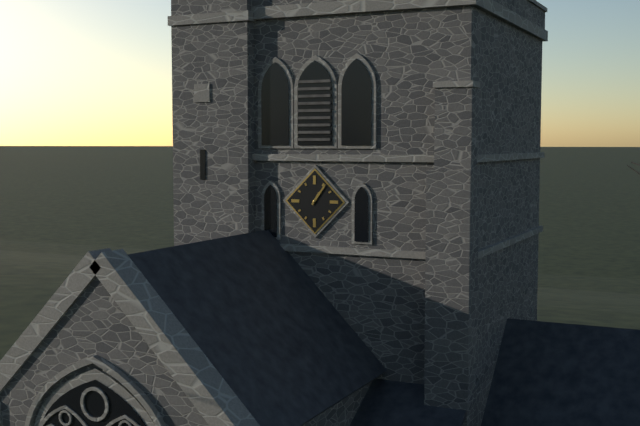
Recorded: h=1 m=6
